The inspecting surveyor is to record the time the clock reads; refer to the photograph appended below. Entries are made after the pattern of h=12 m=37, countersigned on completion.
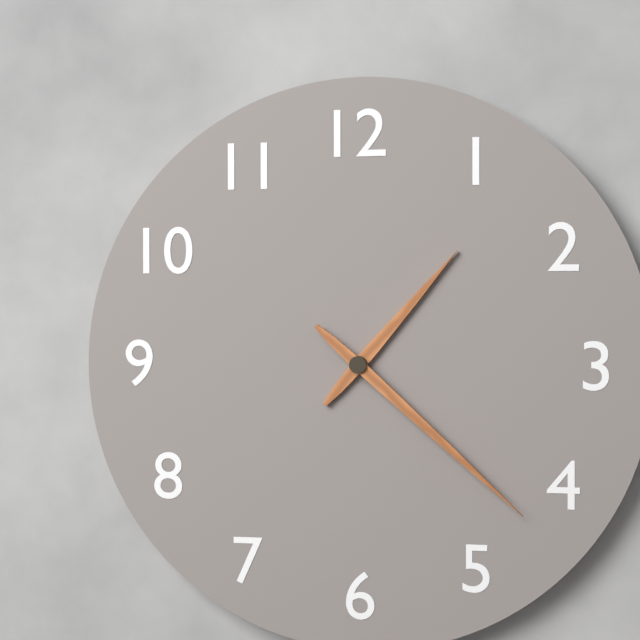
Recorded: h=1 m=22
